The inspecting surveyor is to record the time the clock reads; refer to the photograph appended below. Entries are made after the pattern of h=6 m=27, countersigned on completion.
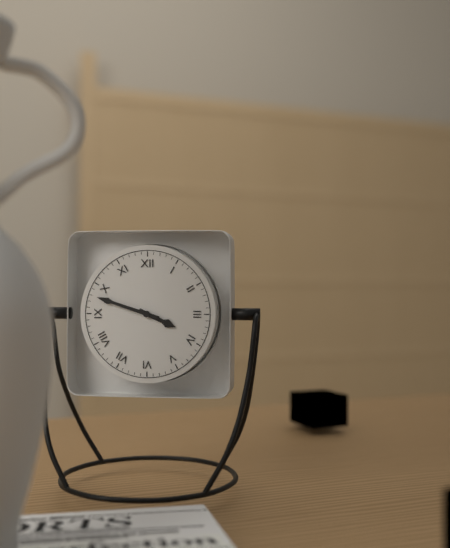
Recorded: h=3 m=48
